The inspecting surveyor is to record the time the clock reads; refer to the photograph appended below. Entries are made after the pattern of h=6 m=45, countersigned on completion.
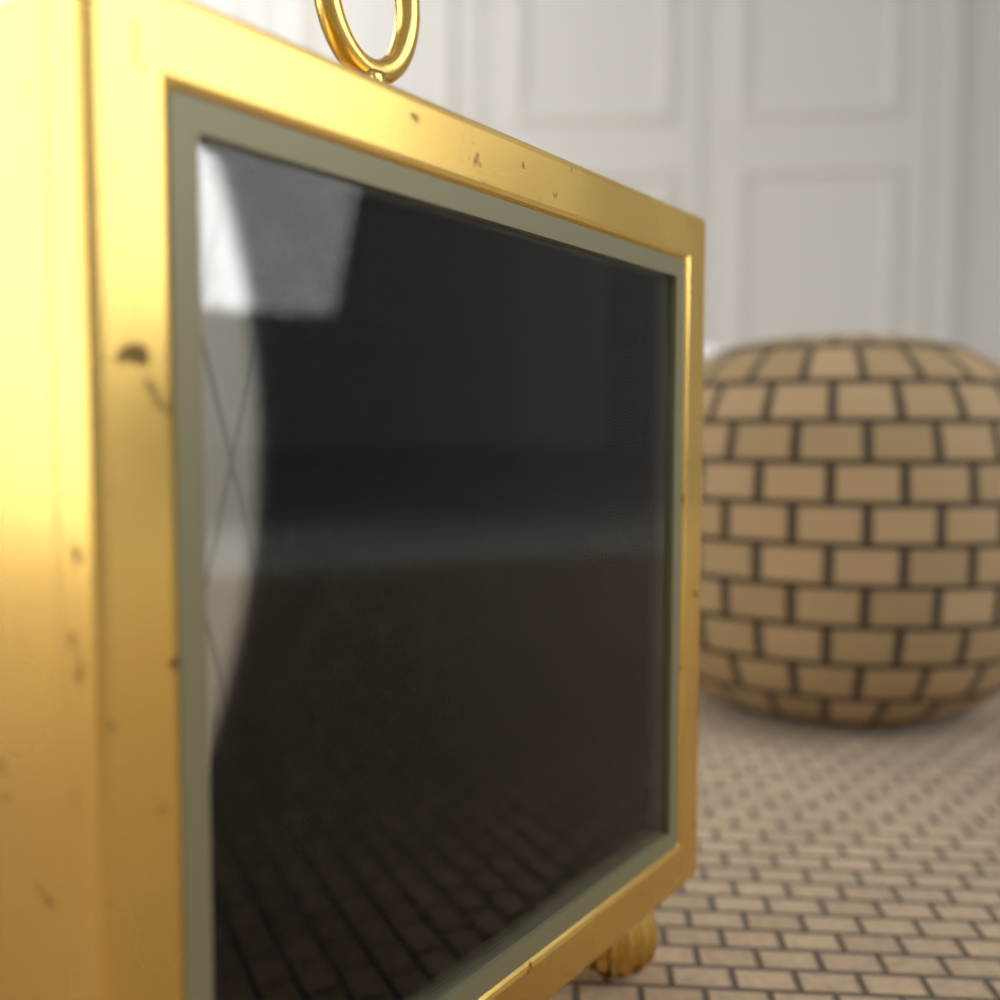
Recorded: h=4 m=51
